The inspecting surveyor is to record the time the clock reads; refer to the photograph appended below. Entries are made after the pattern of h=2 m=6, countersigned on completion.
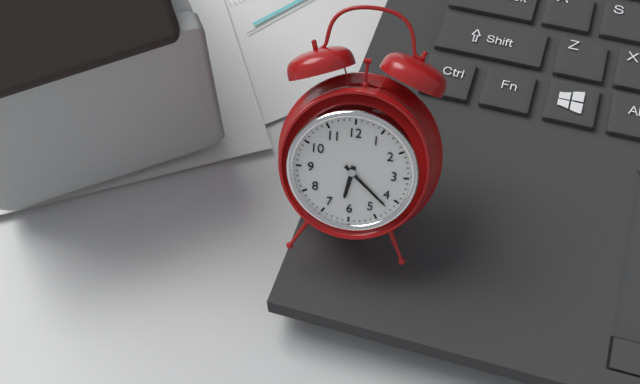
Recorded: h=6 m=22
